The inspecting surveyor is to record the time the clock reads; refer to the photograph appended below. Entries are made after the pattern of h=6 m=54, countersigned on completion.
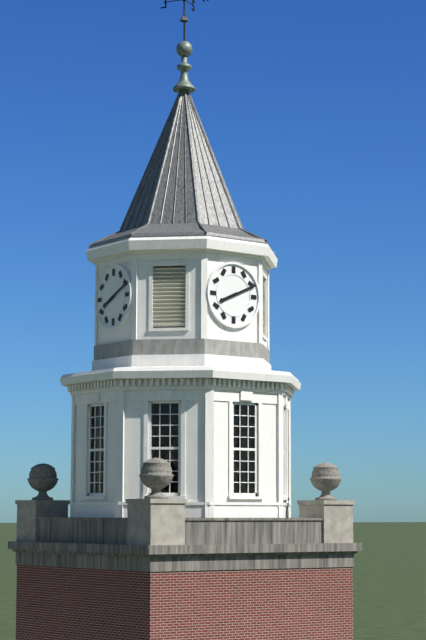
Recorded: h=8 m=11
